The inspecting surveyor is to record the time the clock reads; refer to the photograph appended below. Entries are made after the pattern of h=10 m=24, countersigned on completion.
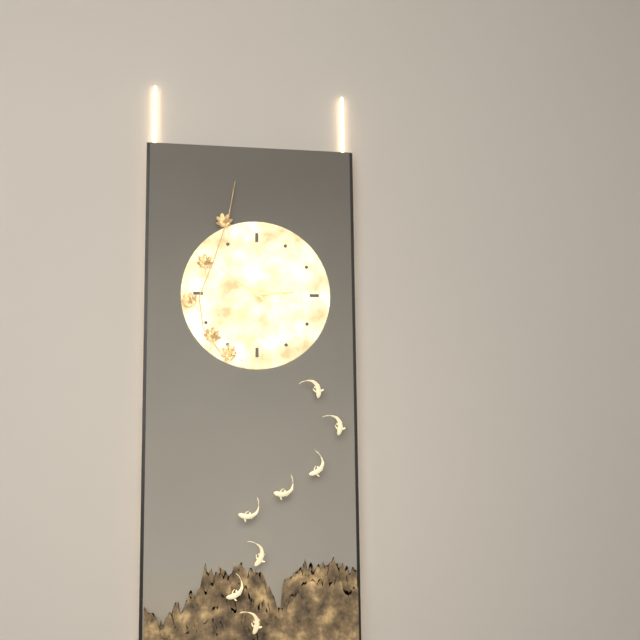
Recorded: h=2 m=51
